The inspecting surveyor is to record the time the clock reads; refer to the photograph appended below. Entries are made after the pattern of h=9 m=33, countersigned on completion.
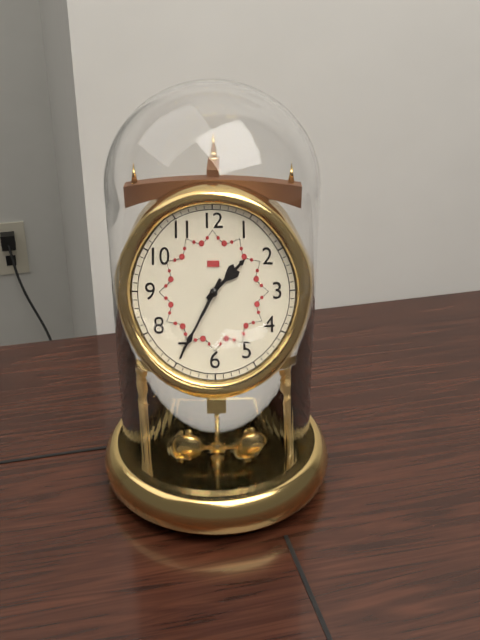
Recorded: h=1 m=35
